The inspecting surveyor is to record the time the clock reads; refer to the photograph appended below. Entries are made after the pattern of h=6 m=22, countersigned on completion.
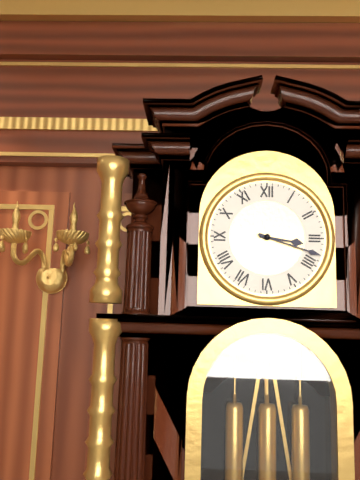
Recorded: h=3 m=18
